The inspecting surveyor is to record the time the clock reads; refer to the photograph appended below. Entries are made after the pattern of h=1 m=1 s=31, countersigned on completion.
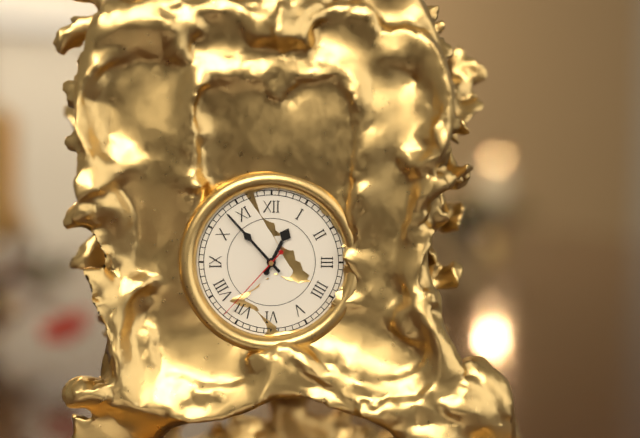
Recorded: h=12 m=53 s=37
